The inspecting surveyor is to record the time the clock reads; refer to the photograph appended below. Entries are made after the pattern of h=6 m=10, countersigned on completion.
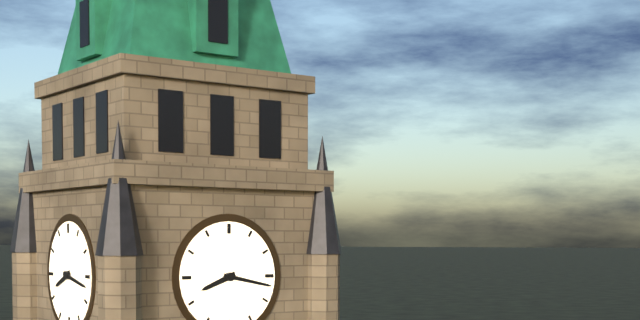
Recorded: h=8 m=17
